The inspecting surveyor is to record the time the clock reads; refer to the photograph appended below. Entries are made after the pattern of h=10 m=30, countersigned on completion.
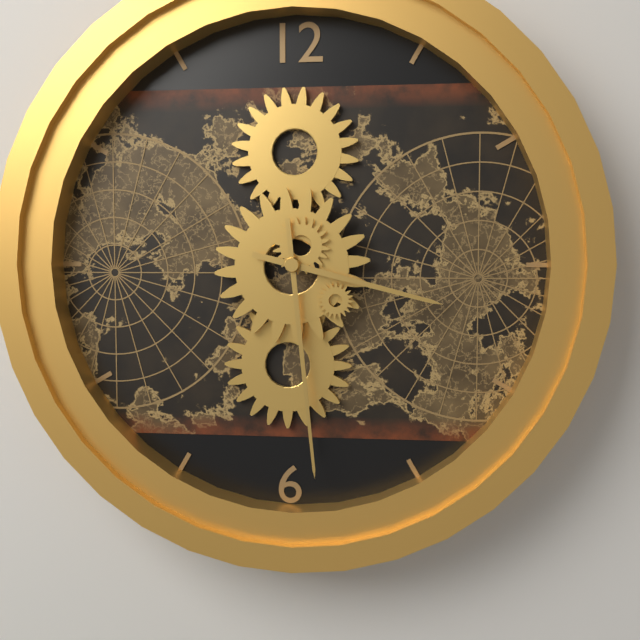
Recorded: h=3 m=29
